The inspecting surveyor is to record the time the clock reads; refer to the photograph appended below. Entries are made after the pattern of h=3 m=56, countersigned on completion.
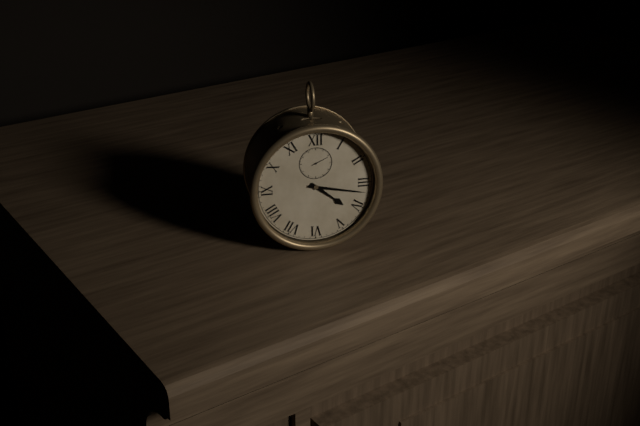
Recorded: h=4 m=17
